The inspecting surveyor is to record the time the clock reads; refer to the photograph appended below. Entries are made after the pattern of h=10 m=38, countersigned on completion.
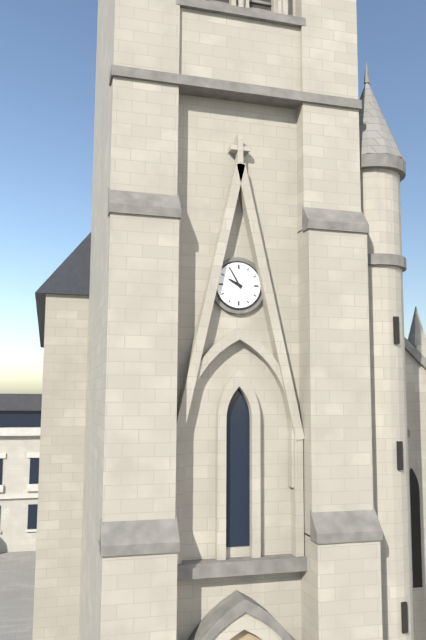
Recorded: h=9 m=55
